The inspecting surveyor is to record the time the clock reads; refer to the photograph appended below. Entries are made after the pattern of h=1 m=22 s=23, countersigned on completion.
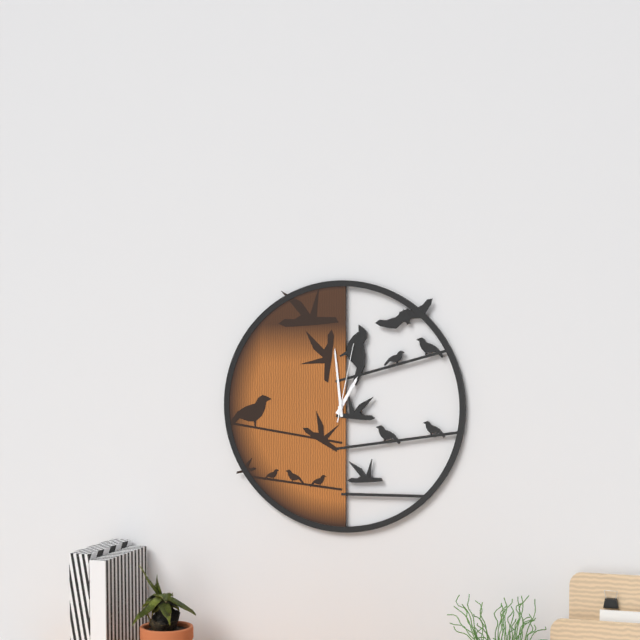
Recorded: h=12 m=59 s=2
